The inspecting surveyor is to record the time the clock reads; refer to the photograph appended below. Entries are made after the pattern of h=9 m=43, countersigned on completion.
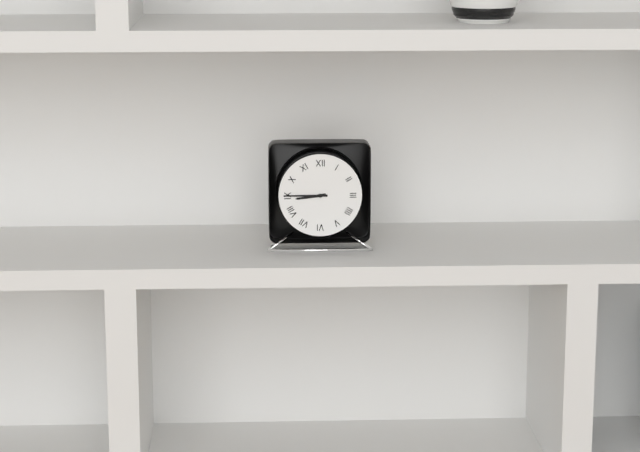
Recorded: h=8 m=45
